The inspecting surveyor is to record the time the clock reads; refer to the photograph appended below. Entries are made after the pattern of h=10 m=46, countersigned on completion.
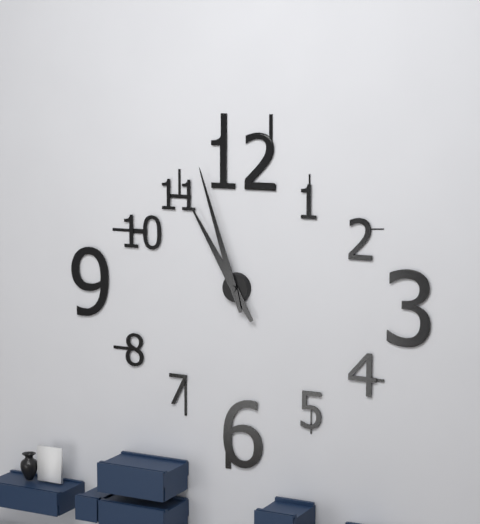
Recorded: h=10 m=57
